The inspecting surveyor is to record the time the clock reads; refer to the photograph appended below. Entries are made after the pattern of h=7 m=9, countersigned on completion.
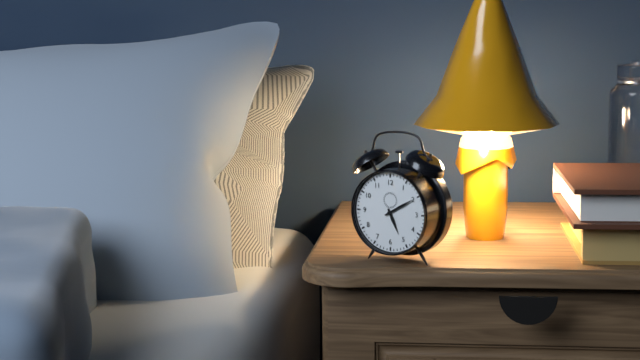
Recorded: h=5 m=10
